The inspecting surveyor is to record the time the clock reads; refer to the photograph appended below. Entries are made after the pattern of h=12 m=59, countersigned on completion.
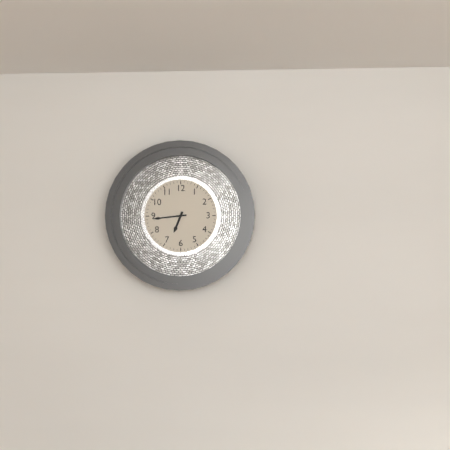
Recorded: h=6 m=44
